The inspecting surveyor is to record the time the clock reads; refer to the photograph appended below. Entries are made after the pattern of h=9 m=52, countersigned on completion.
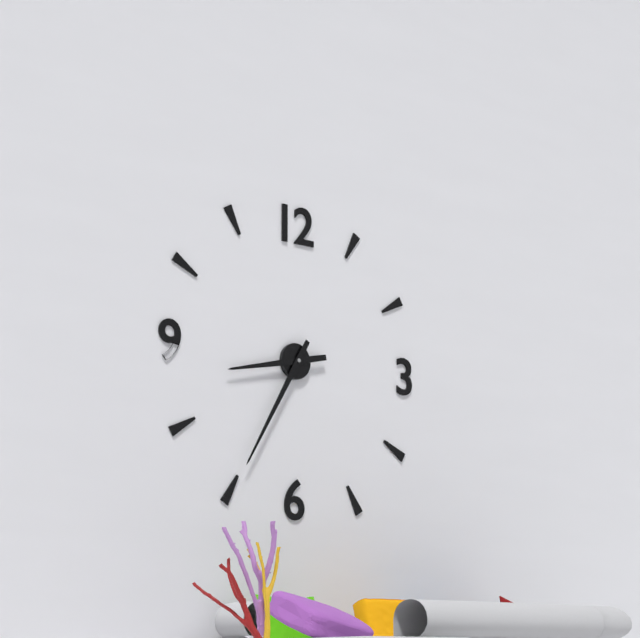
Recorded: h=8 m=35
